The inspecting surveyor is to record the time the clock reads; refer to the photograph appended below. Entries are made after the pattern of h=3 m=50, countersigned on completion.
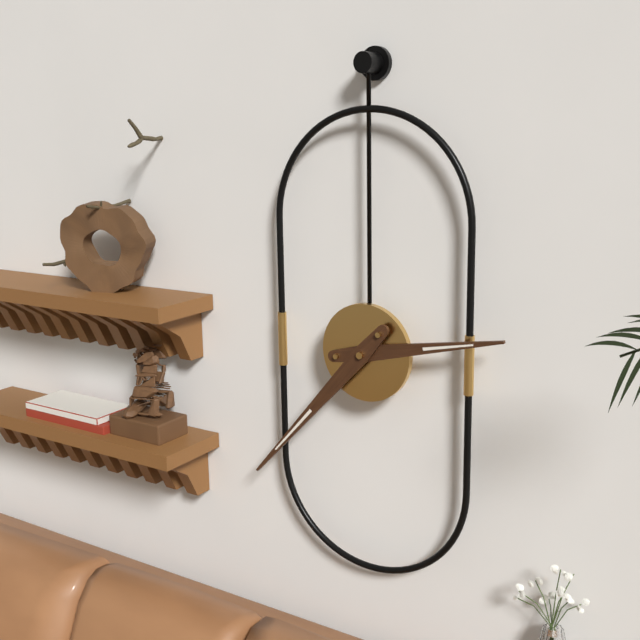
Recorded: h=2 m=37
